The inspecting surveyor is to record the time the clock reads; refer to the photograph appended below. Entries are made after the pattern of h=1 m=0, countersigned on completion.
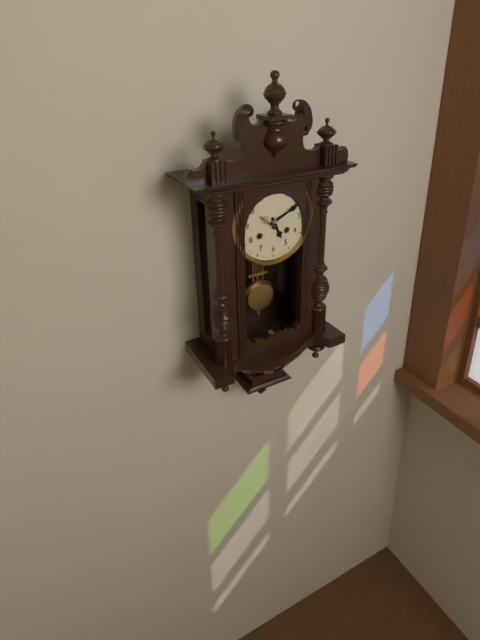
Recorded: h=5 m=11
